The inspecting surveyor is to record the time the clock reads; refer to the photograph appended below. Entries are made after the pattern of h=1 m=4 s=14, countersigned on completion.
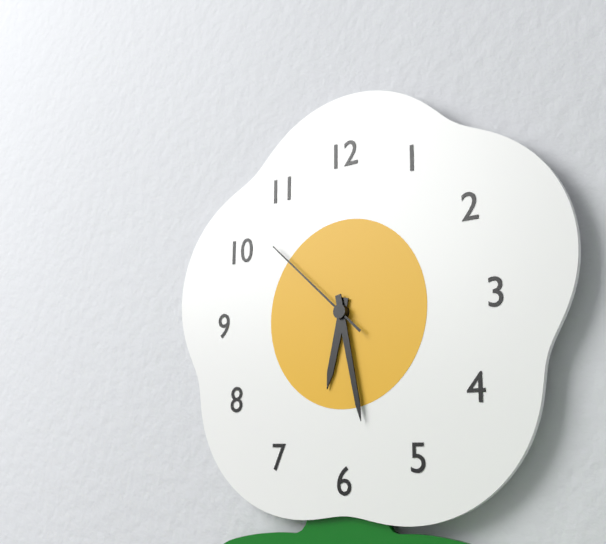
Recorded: h=6 m=28 s=52
